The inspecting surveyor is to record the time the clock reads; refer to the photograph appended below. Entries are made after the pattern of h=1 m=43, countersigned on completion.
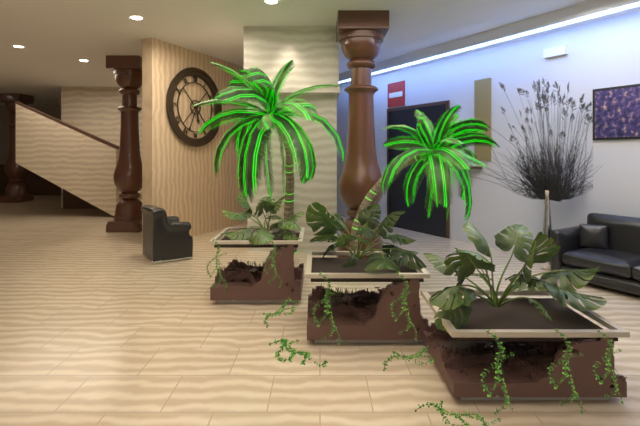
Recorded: h=5 m=34
